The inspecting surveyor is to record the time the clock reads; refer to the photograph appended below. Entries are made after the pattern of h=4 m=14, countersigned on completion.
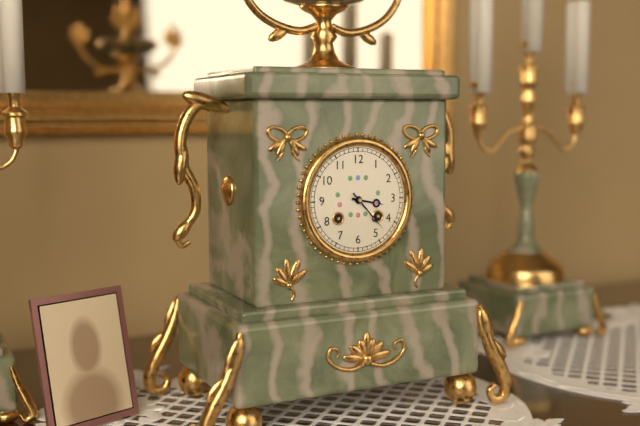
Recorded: h=3 m=23
